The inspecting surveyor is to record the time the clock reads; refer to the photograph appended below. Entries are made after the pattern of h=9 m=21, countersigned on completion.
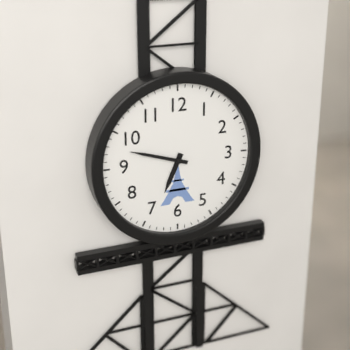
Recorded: h=6 m=48
